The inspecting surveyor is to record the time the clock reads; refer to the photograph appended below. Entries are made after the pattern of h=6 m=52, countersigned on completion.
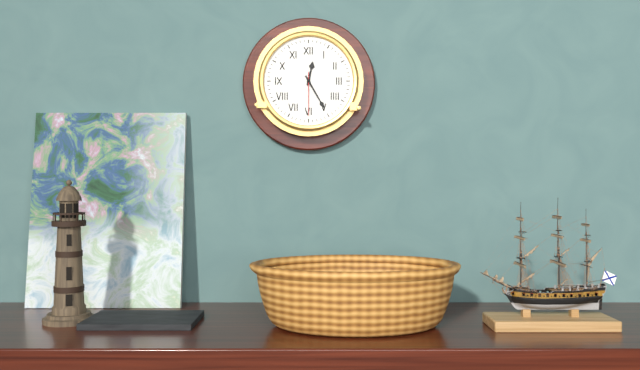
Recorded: h=12 m=25
